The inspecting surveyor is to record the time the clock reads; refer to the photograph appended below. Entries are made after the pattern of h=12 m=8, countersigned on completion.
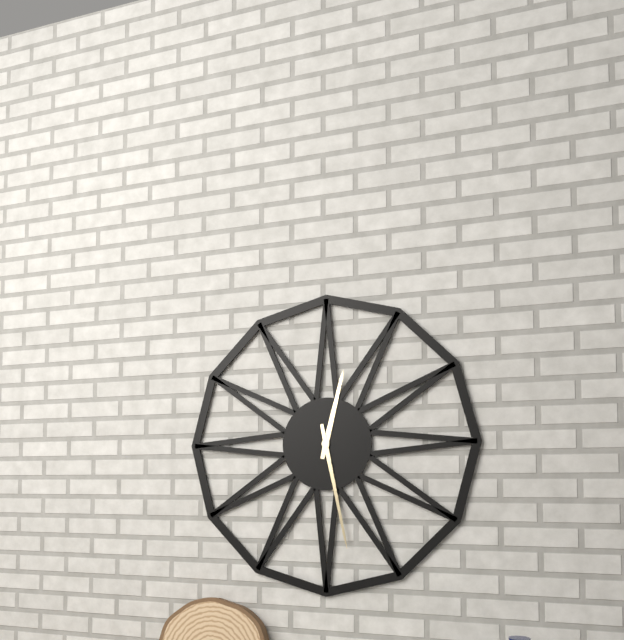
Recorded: h=12 m=28
